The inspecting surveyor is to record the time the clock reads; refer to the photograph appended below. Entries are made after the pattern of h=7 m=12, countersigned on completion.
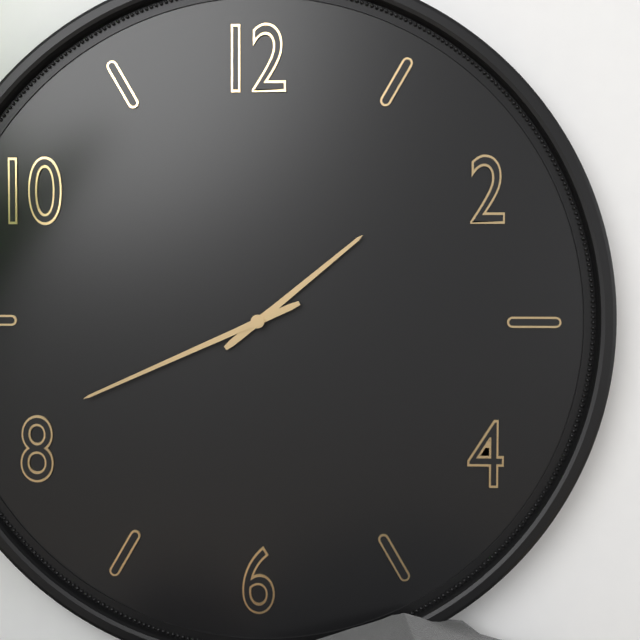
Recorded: h=1 m=41
